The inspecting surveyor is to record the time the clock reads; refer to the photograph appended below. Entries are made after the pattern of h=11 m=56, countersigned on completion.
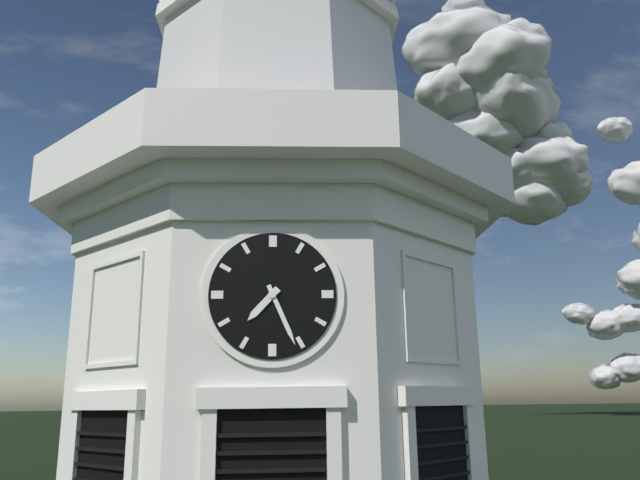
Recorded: h=7 m=26
